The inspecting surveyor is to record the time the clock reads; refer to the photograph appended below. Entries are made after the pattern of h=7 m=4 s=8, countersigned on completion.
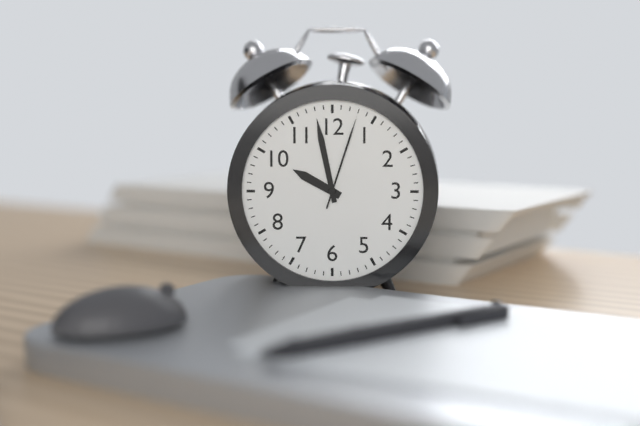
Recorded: h=9 m=58 s=3
